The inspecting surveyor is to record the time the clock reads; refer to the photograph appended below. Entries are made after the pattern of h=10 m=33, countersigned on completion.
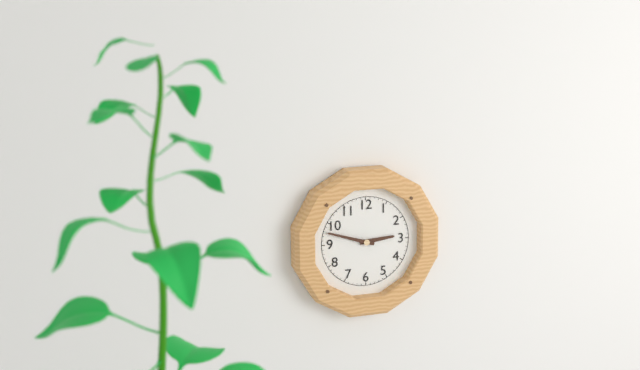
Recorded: h=2 m=48
